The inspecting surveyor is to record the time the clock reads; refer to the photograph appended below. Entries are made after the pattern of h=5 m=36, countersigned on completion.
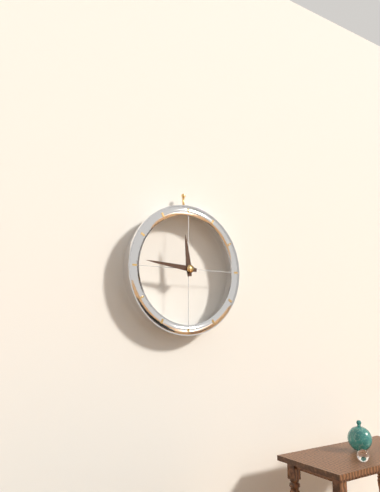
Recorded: h=11 m=46
